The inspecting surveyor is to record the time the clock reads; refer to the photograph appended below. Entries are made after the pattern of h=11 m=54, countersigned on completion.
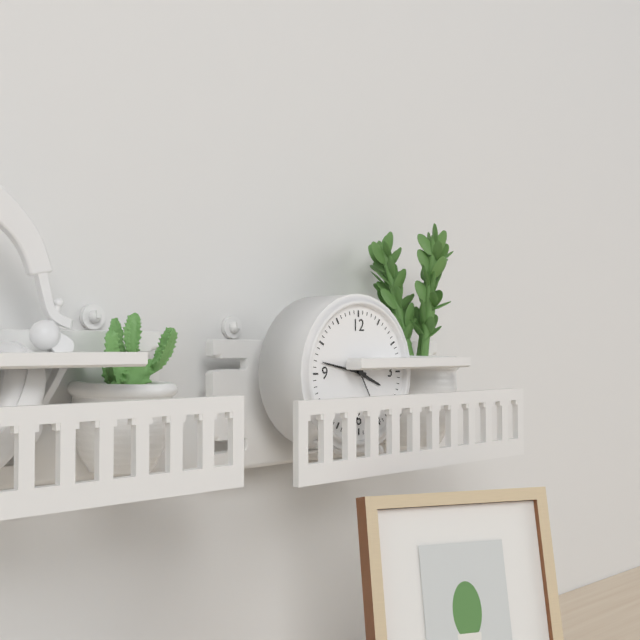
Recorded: h=3 m=47
